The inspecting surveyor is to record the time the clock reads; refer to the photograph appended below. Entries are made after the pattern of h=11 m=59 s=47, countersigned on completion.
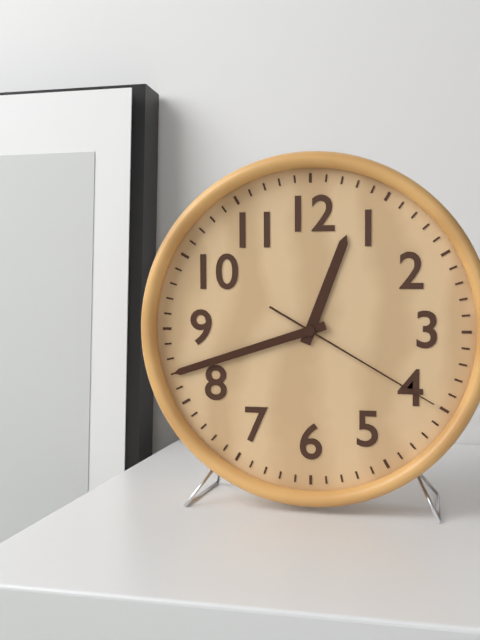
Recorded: h=12 m=42 s=20
